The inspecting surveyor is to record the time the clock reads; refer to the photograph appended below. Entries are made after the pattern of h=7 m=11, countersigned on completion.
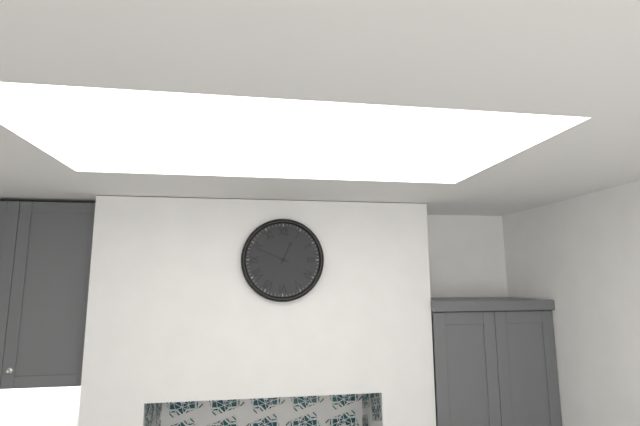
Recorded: h=12 m=49
